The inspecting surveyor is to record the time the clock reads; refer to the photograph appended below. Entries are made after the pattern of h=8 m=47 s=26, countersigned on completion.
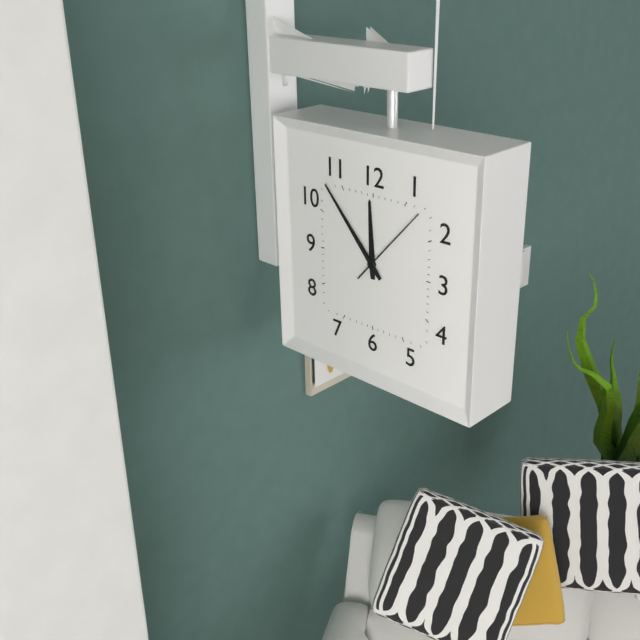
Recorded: h=11 m=53 s=7
